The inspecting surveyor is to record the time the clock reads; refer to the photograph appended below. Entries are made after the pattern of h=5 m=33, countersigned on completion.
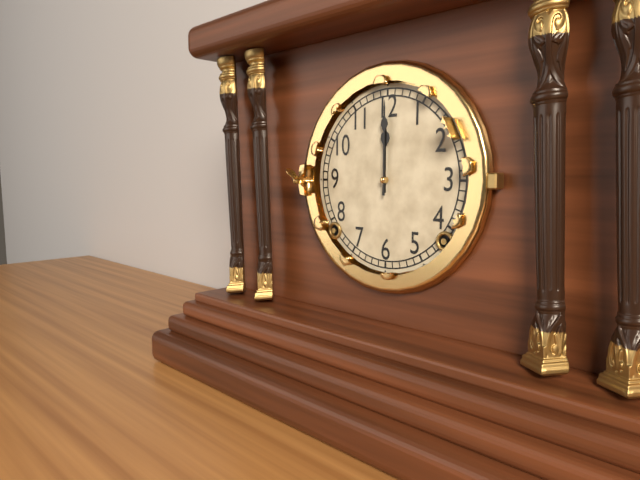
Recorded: h=12 m=0
